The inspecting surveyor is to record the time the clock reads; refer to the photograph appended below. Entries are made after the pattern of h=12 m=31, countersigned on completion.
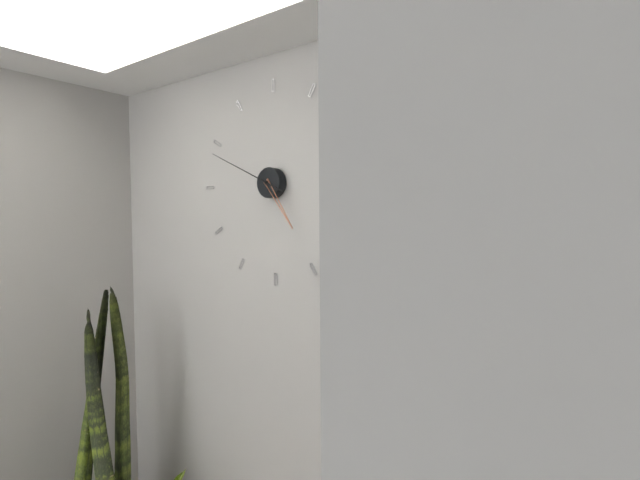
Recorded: h=4 m=49
